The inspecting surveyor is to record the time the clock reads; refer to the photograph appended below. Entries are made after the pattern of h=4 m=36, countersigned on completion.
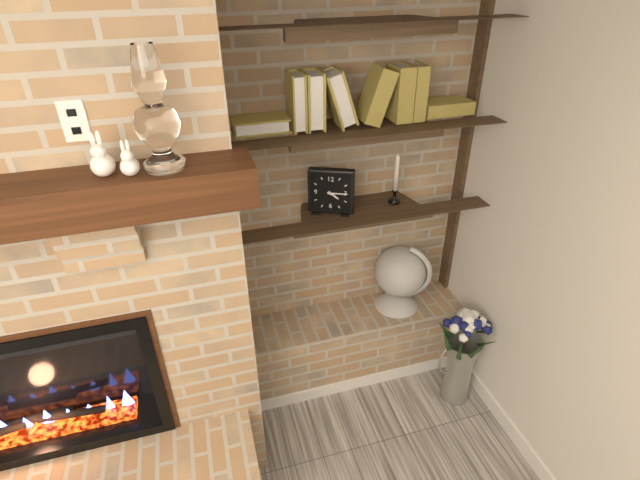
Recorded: h=4 m=15
